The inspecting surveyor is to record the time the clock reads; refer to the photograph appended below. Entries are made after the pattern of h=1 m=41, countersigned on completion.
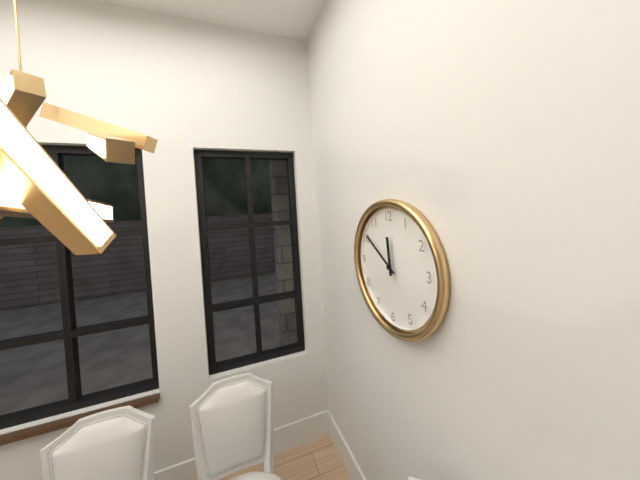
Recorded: h=11 m=51
